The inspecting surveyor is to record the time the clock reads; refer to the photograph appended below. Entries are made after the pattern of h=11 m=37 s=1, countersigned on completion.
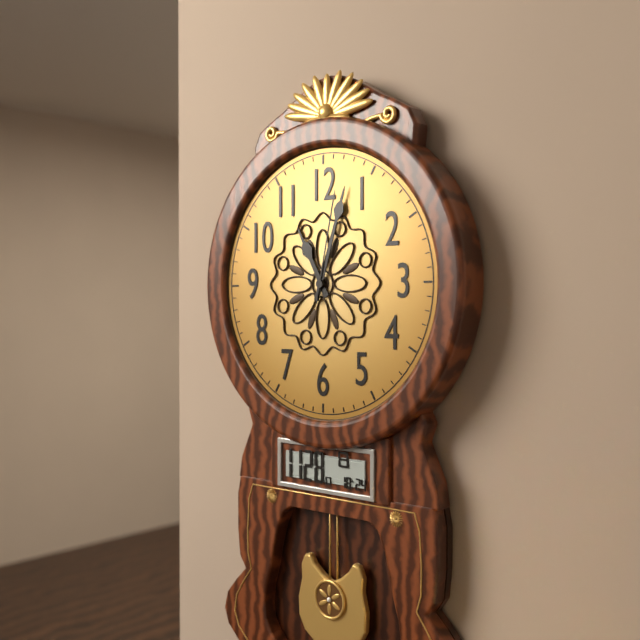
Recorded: h=11 m=3 s=2
